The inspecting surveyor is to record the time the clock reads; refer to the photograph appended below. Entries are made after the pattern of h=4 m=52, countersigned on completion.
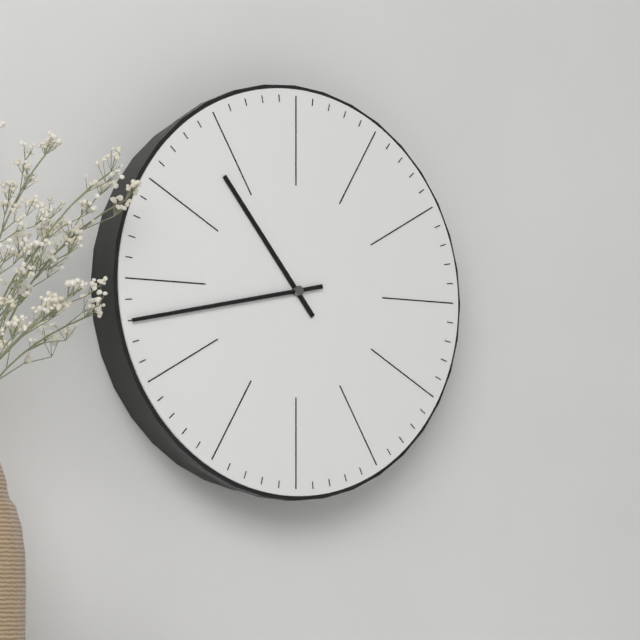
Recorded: h=10 m=43
